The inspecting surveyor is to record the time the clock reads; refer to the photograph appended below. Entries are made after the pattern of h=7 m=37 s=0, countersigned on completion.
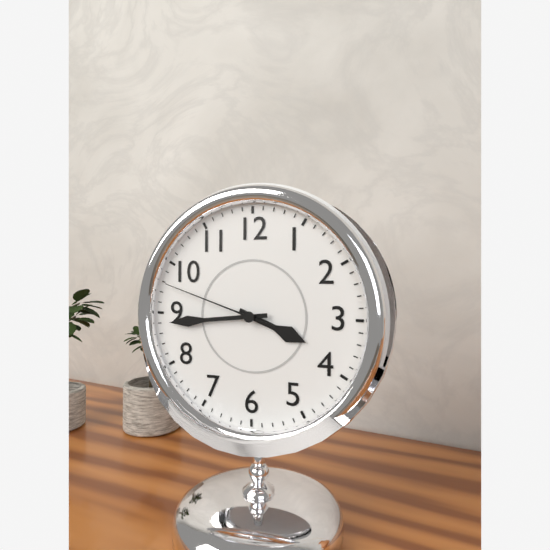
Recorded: h=3 m=44 s=48
